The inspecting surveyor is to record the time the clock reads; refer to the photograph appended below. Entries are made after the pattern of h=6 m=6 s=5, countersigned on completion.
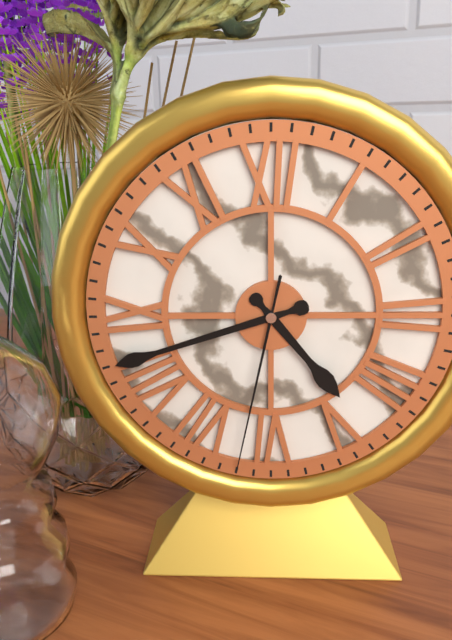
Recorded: h=4 m=42 s=32
